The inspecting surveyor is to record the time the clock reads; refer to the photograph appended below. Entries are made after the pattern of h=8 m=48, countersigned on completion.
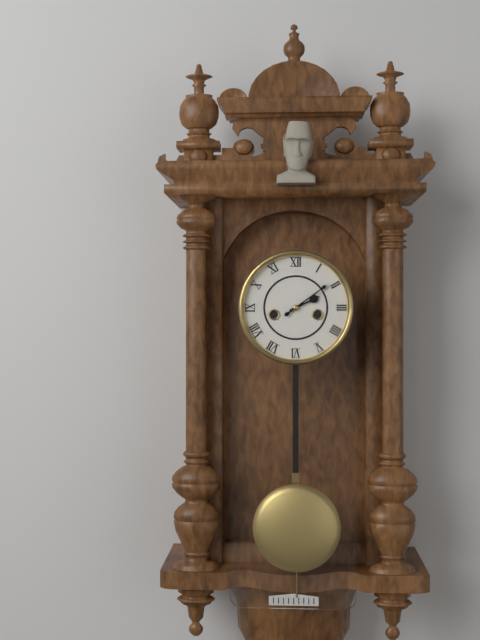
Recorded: h=2 m=9
